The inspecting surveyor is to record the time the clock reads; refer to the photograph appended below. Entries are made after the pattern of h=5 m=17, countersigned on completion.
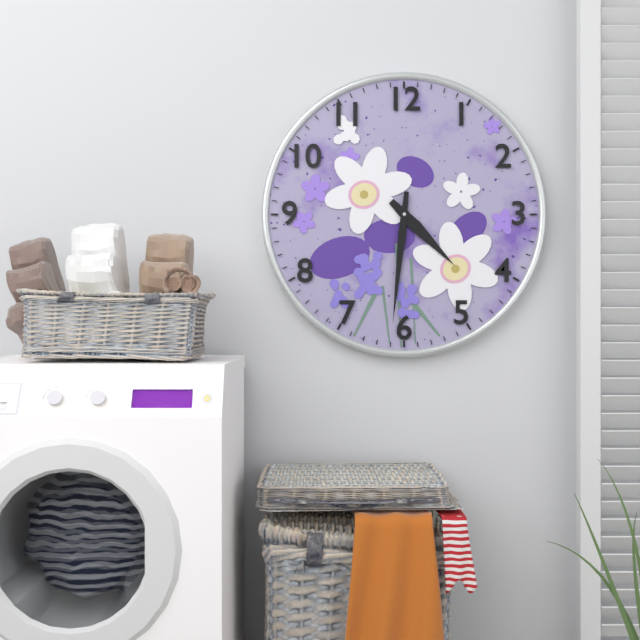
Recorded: h=4 m=31
